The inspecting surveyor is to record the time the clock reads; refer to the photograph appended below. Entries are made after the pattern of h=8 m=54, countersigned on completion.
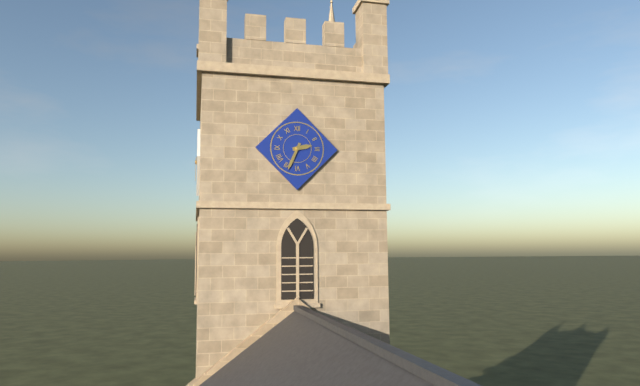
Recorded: h=2 m=34
